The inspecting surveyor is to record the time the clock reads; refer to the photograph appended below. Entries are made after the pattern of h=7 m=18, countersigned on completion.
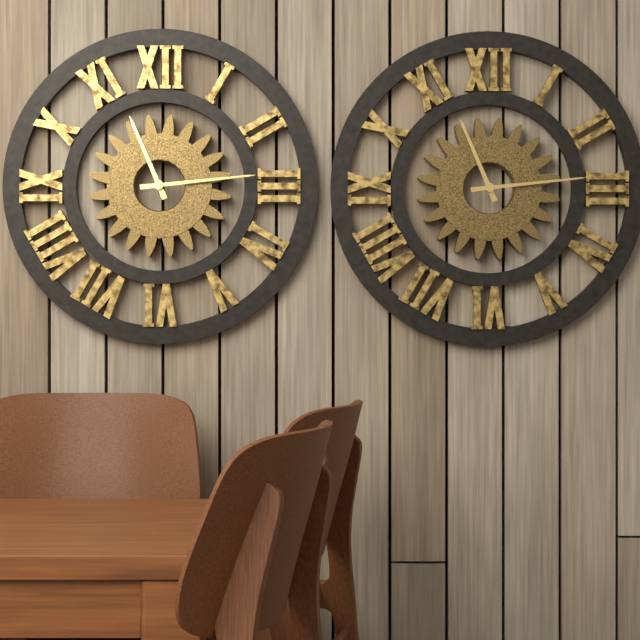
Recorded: h=11 m=14
